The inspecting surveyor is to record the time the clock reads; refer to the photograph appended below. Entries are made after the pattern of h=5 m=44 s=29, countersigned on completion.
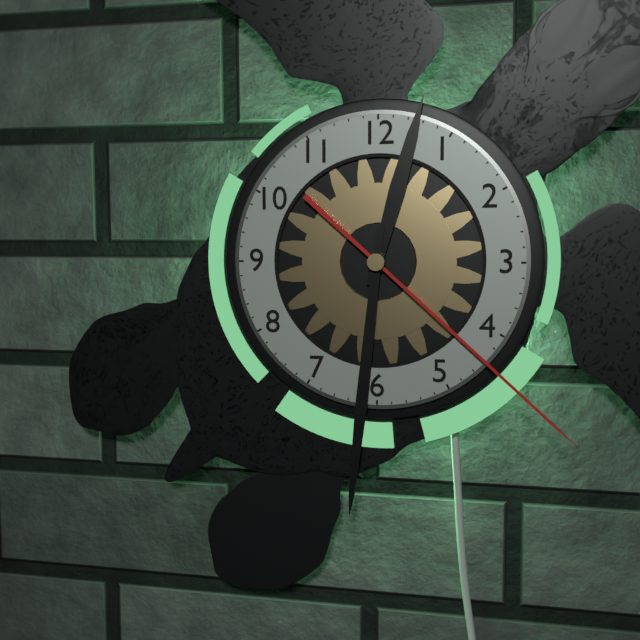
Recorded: h=12 m=31 s=22
